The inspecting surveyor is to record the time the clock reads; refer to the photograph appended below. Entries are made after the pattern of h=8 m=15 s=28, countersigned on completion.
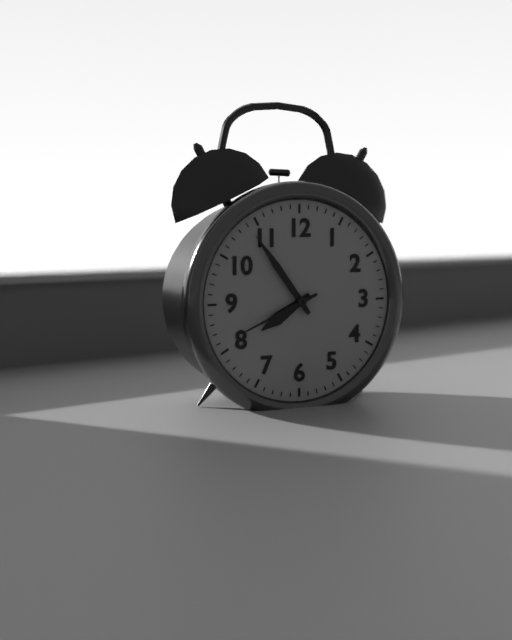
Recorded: h=7 m=54 s=41
